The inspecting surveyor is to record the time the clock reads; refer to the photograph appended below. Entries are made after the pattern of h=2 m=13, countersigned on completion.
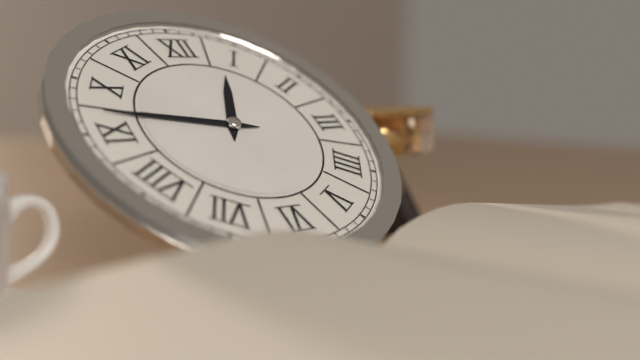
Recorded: h=12 m=47
